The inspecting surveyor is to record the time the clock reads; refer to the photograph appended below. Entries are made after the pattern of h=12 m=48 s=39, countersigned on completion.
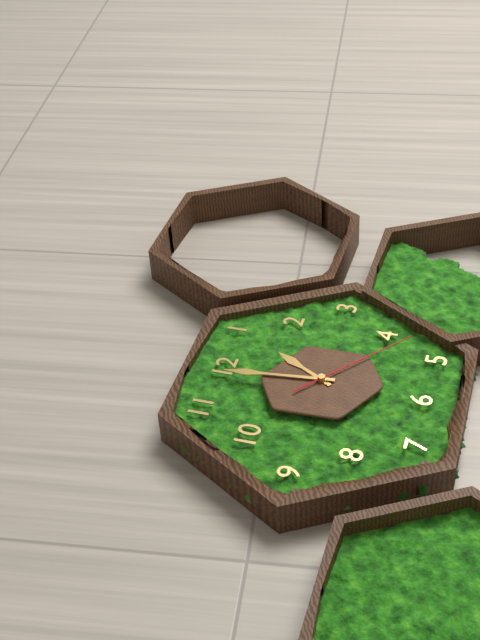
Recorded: h=12 m=59 s=22
